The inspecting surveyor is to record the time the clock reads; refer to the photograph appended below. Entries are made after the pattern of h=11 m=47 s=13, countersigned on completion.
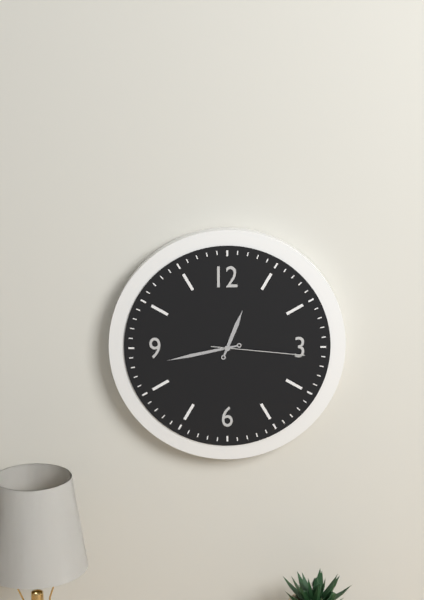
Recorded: h=12 m=43 s=16
